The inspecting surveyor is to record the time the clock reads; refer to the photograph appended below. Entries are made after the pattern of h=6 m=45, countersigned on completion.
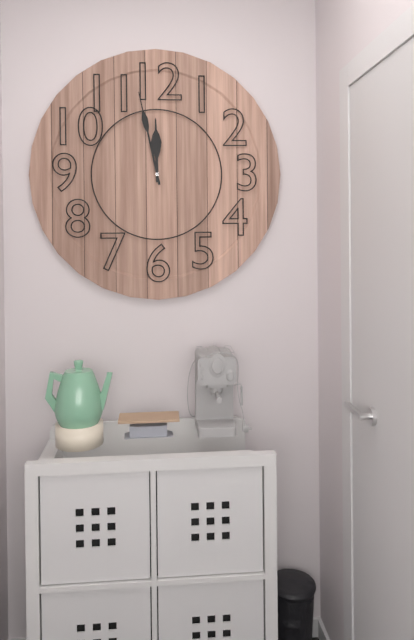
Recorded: h=11 m=58
